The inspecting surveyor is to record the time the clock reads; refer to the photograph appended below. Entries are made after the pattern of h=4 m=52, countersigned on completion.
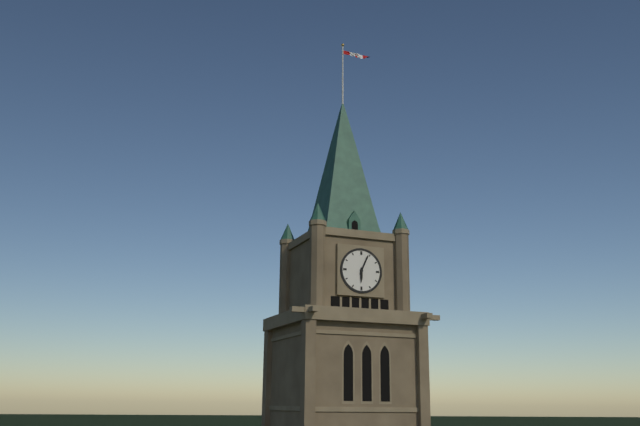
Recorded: h=6 m=4
